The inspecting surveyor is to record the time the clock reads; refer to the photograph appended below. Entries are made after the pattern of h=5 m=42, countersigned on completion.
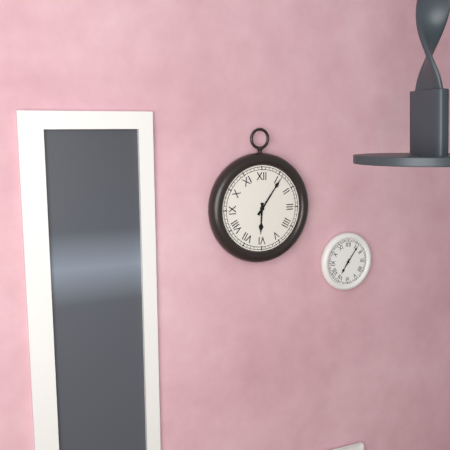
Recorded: h=6 m=6
